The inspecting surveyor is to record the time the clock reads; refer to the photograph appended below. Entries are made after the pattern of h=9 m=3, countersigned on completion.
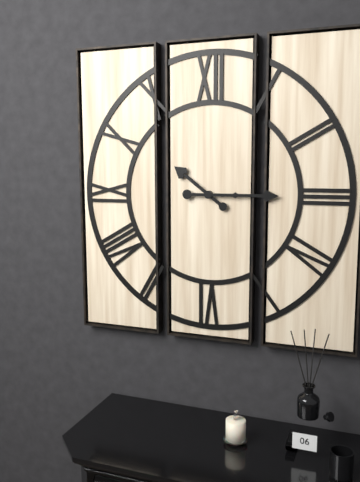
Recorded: h=10 m=15
